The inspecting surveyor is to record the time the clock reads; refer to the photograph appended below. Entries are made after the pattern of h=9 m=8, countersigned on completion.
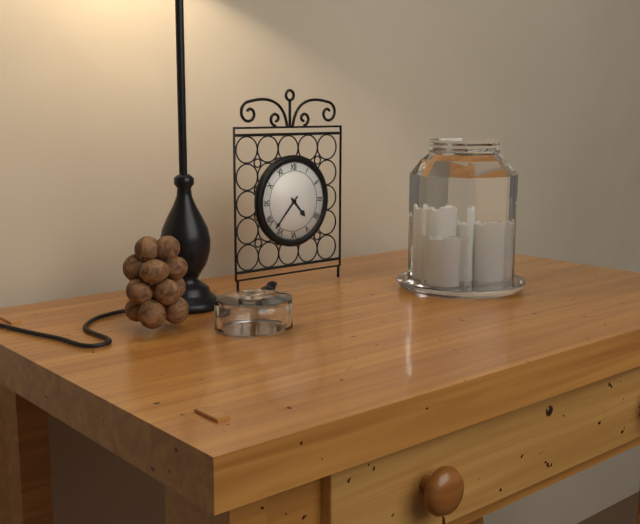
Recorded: h=4 m=37
